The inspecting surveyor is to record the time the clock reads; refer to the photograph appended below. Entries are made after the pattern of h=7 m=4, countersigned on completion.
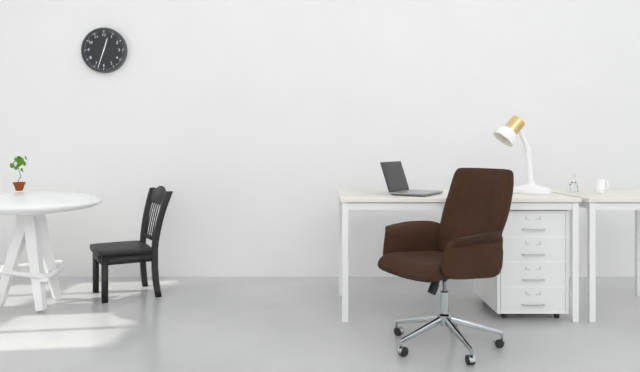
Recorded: h=12 m=33
